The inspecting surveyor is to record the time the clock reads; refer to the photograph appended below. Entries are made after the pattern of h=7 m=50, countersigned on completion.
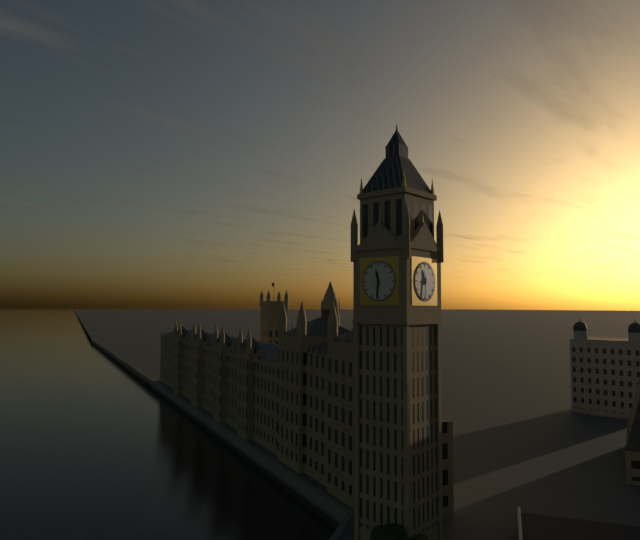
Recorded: h=11 m=31
